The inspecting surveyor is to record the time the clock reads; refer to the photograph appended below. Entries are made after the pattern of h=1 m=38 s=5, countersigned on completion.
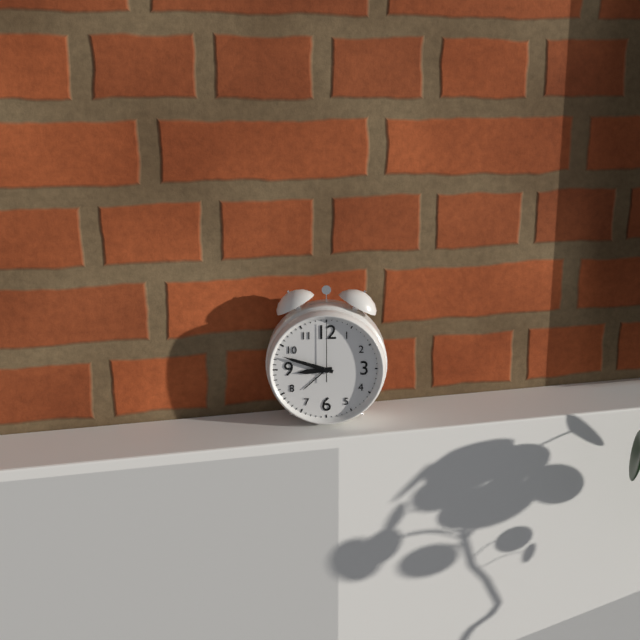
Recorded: h=8 m=48 s=0
